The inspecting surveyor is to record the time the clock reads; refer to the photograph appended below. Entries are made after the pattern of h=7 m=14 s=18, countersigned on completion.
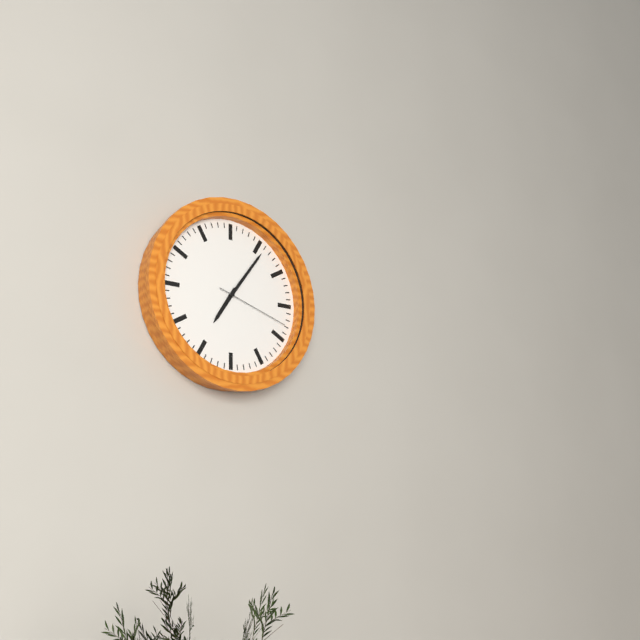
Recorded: h=7 m=6 s=18
